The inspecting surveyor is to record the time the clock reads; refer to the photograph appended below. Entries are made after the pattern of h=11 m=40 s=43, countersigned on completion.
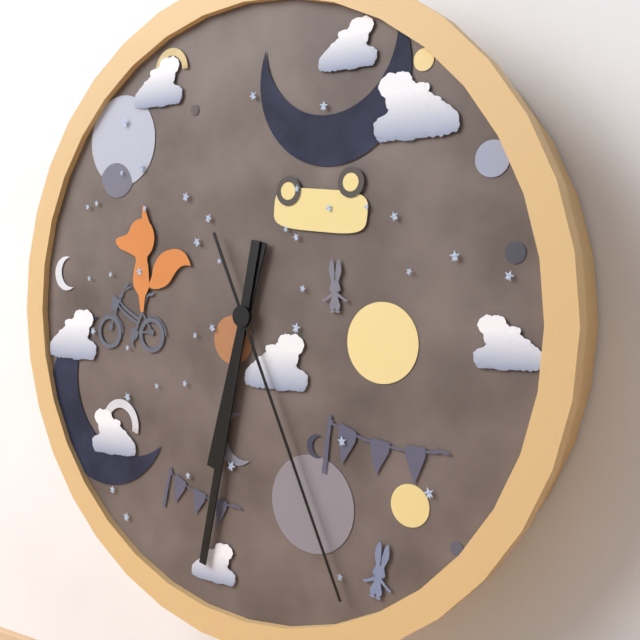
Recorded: h=6 m=32 s=26
